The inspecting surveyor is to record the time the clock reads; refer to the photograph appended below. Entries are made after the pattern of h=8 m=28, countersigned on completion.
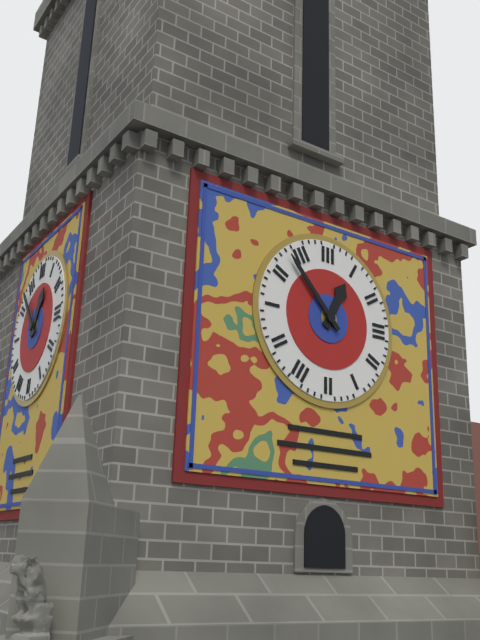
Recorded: h=12 m=53
